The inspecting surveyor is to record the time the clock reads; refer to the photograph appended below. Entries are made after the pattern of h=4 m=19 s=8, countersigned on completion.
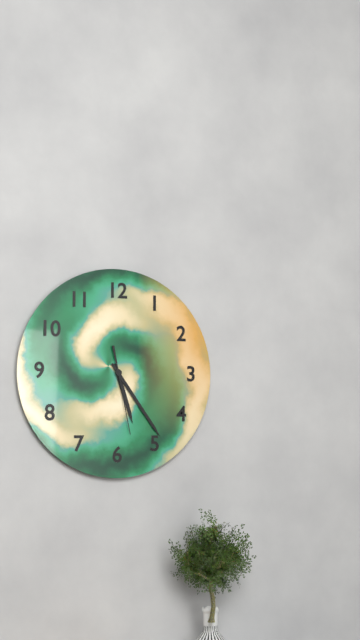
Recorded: h=5 m=24 s=28
